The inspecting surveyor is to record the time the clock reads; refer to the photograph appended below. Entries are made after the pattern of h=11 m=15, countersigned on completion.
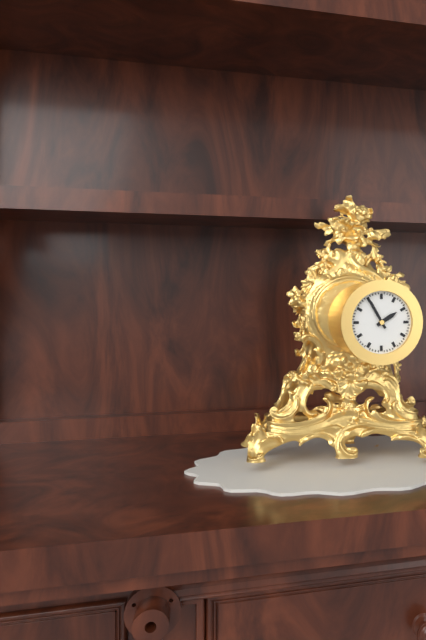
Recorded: h=1 m=55
